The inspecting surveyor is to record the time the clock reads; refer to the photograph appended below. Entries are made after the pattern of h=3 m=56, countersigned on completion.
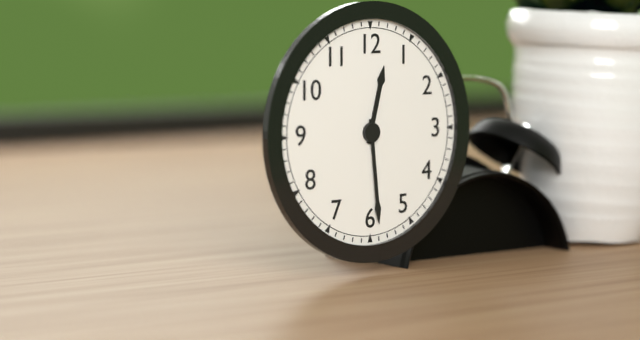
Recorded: h=12 m=29
